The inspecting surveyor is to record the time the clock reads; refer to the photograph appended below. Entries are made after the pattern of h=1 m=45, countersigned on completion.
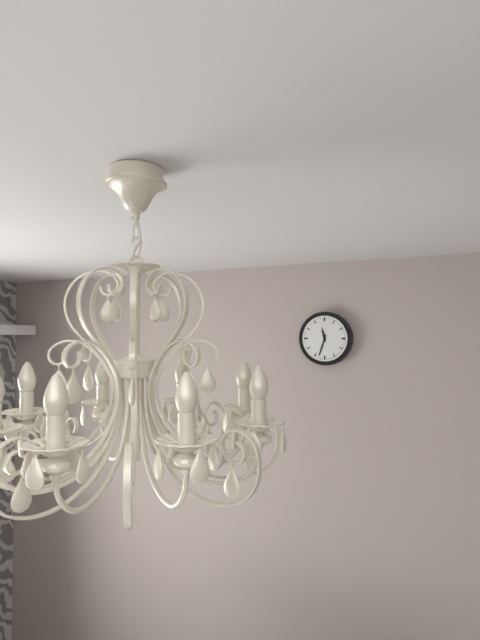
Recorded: h=11 m=33
